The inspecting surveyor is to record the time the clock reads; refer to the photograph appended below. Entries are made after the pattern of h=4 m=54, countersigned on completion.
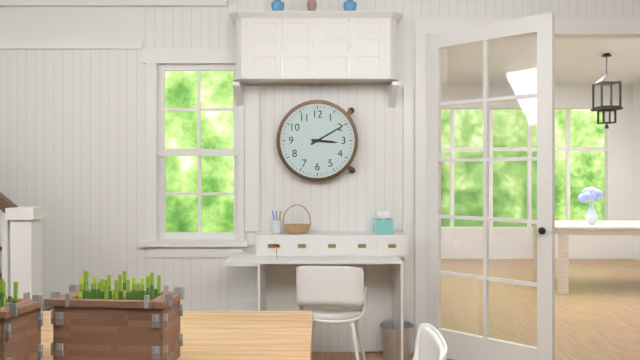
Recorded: h=3 m=10
